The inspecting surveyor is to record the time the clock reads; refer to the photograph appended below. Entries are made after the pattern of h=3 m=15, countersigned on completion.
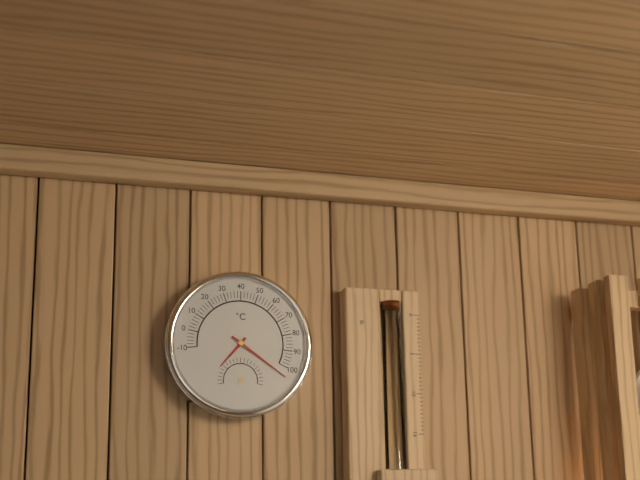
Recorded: h=7 m=21
